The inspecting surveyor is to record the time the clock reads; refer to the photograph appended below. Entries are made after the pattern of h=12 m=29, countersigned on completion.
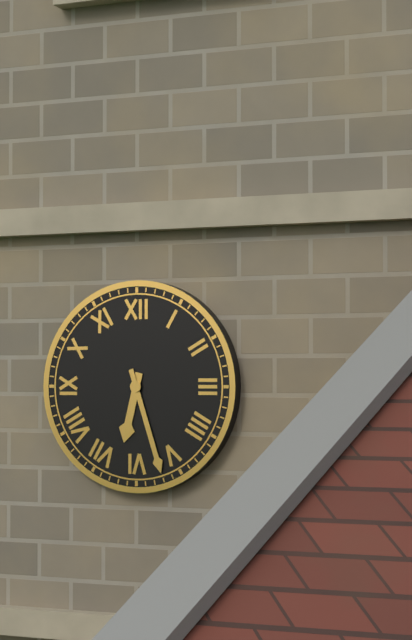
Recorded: h=6 m=27
